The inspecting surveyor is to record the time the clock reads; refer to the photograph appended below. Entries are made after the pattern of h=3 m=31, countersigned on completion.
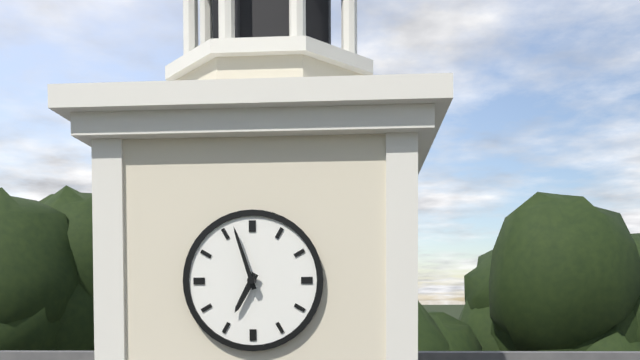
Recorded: h=6 m=57
